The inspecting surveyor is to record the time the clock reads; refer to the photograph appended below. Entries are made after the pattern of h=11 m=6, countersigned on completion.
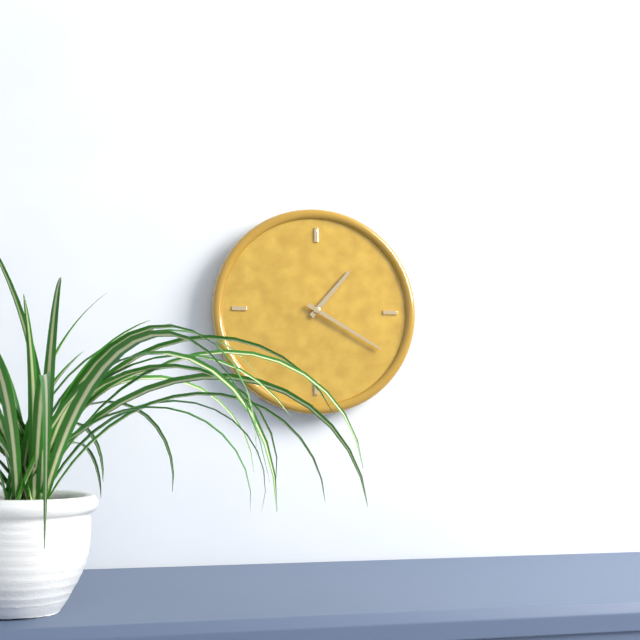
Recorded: h=1 m=20
